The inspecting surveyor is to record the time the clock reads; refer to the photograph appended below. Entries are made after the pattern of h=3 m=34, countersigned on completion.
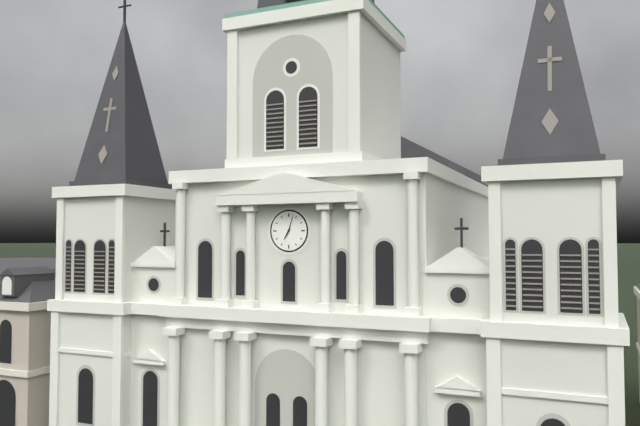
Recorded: h=7 m=3
